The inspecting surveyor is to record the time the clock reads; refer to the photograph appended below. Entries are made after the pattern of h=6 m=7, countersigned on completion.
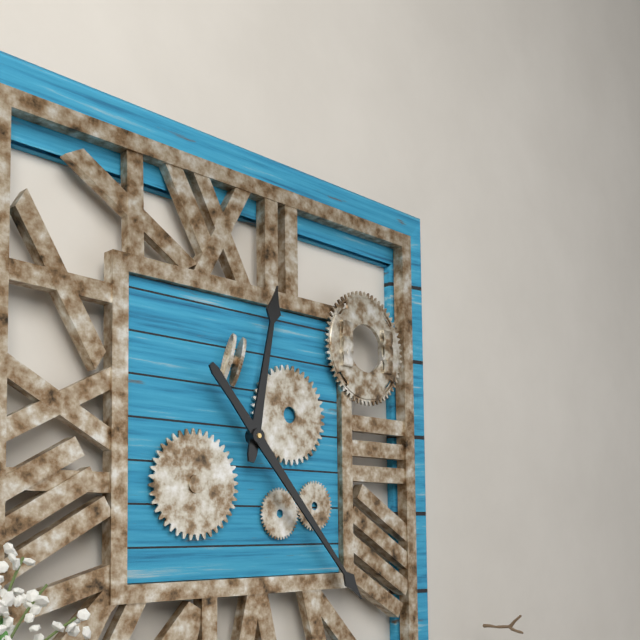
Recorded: h=12 m=23
